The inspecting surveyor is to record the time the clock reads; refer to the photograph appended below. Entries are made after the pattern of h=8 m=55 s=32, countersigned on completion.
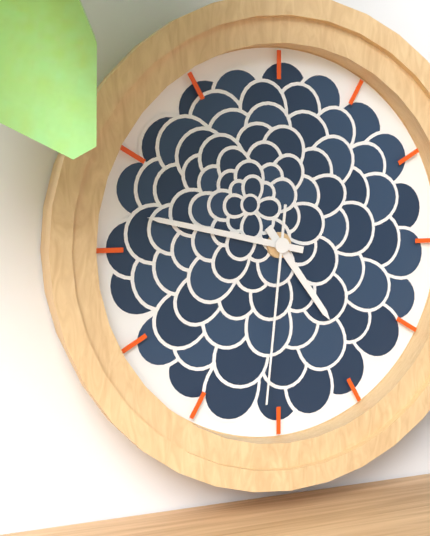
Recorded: h=4 m=47 s=31
